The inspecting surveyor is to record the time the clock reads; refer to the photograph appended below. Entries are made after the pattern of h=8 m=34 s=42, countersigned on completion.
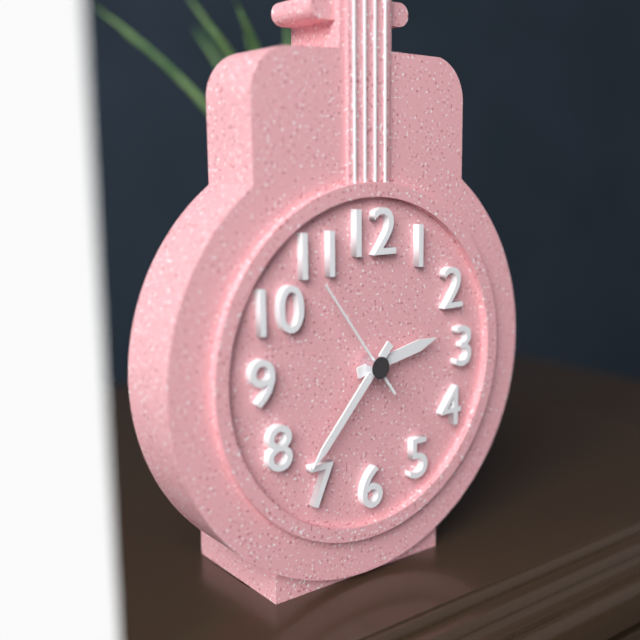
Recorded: h=2 m=37 s=54
